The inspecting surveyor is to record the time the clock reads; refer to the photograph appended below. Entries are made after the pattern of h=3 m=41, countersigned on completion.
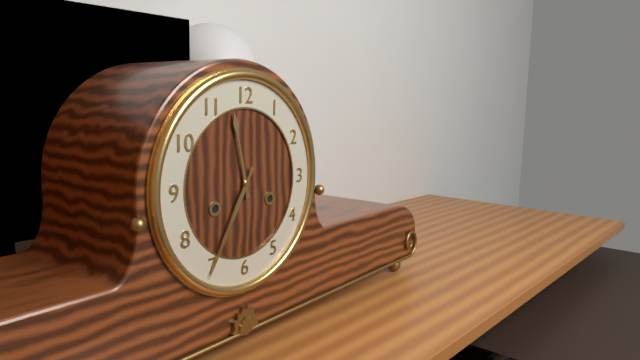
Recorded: h=11 m=35
